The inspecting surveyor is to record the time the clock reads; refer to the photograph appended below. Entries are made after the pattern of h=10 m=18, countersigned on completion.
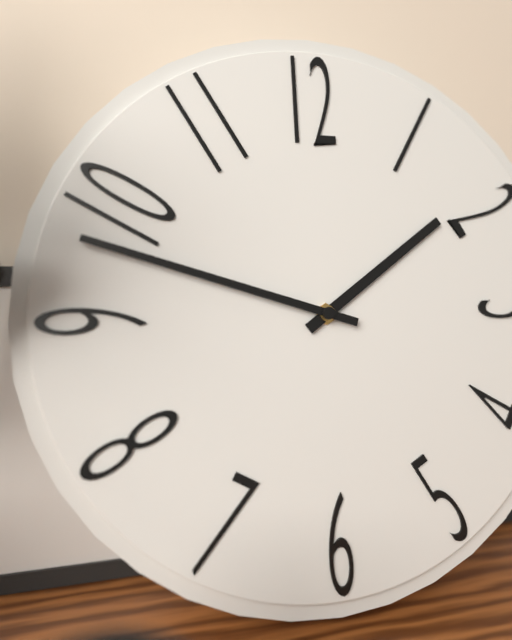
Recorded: h=1 m=48
